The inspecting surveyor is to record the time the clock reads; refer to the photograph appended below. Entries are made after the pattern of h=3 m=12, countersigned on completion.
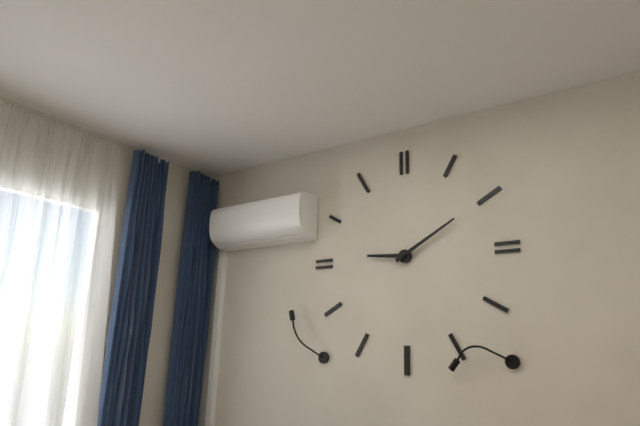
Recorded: h=9 m=10
